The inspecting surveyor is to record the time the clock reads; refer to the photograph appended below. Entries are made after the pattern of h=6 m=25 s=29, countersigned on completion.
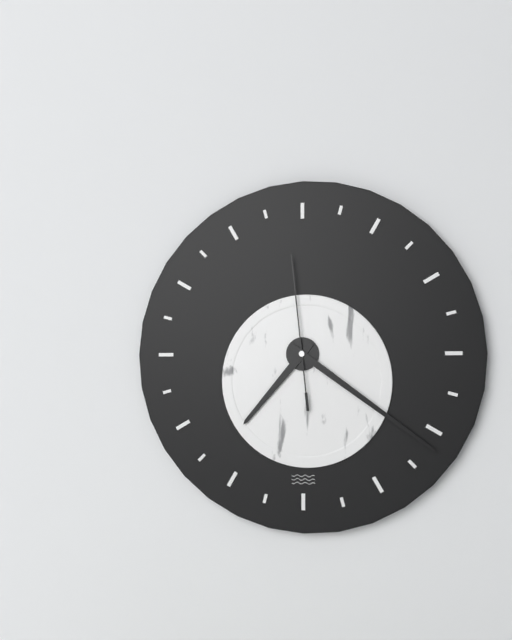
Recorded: h=7 m=21 s=59
